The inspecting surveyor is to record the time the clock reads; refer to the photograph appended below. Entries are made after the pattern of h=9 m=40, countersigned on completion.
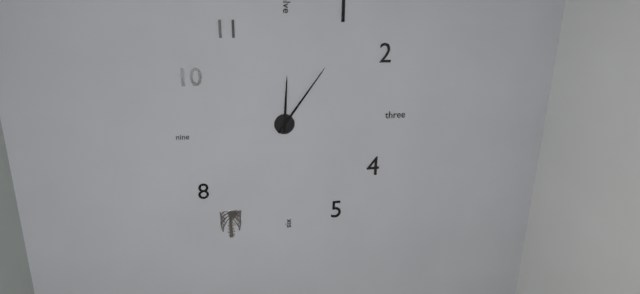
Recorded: h=12 m=6
